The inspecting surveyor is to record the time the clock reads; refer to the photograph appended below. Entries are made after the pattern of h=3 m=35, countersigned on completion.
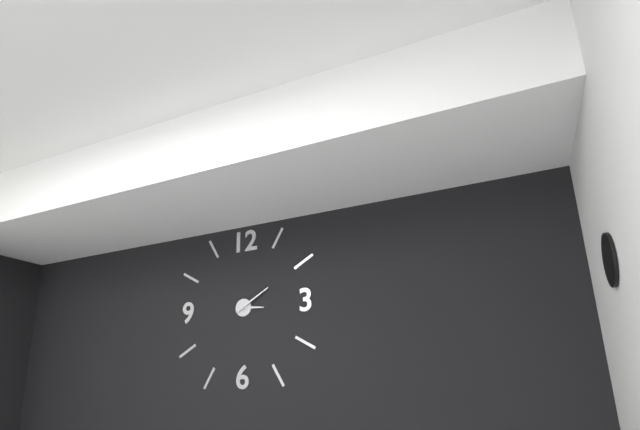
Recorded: h=3 m=10
